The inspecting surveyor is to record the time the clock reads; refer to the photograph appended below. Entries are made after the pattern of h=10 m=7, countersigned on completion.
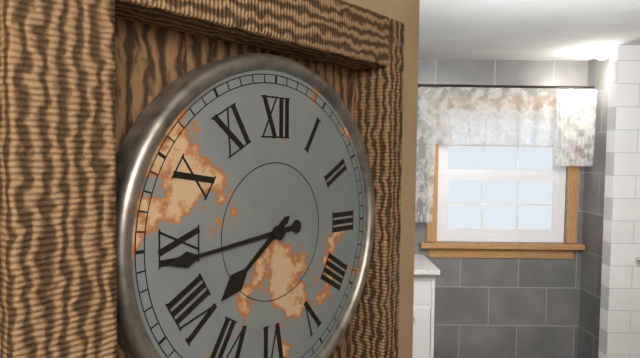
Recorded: h=7 m=44
